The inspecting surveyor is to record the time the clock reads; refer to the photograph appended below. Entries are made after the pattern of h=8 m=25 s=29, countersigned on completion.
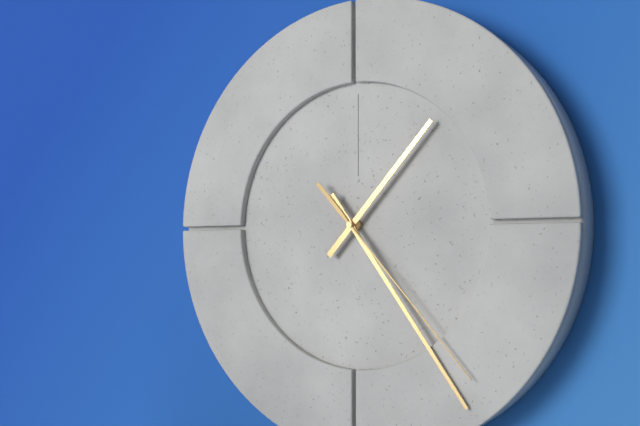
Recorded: h=1 m=24 s=23
